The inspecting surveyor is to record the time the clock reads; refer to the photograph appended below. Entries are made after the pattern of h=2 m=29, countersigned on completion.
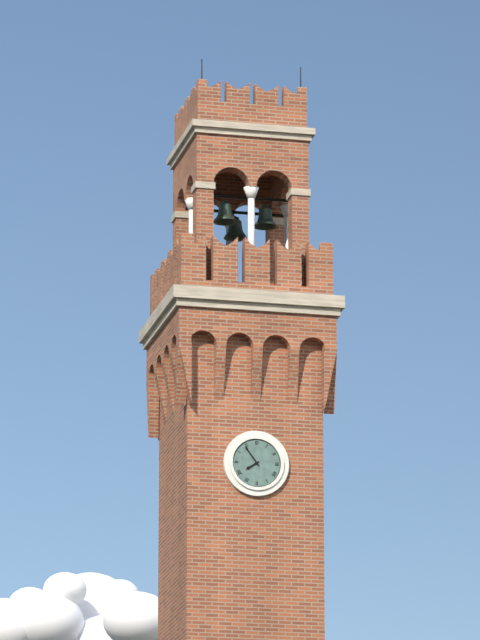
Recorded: h=7 m=54
